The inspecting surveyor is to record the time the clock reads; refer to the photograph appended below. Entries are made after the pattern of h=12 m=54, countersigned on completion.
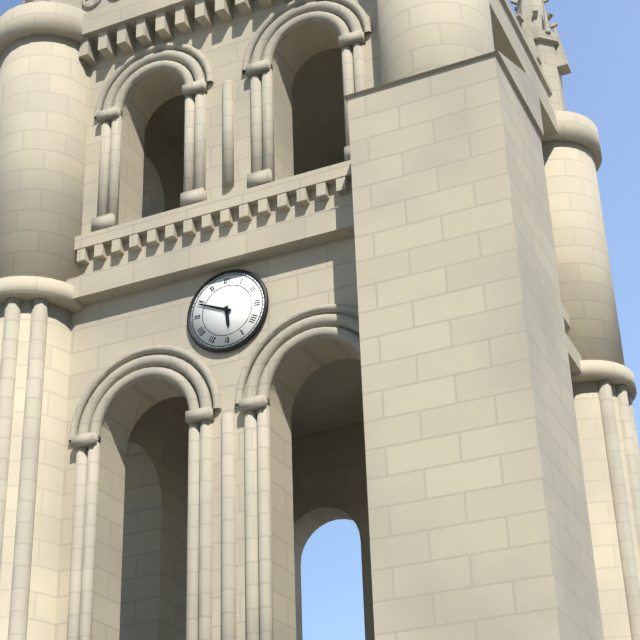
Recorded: h=5 m=49
